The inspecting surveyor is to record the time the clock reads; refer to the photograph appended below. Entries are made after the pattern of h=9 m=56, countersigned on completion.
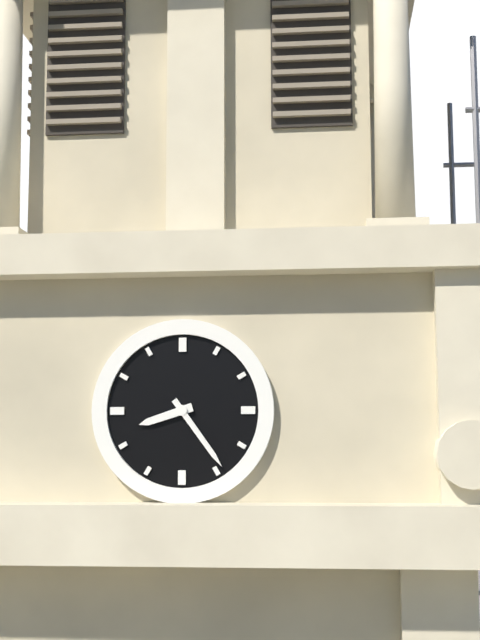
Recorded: h=8 m=24
